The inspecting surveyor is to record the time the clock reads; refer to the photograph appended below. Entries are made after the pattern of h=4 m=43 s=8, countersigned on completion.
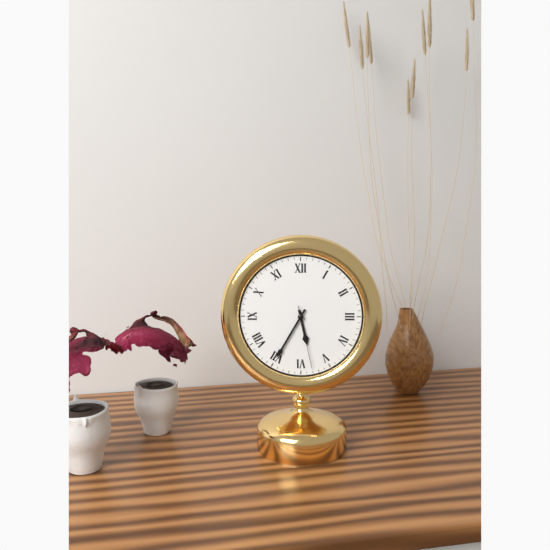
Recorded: h=5 m=35 s=28
